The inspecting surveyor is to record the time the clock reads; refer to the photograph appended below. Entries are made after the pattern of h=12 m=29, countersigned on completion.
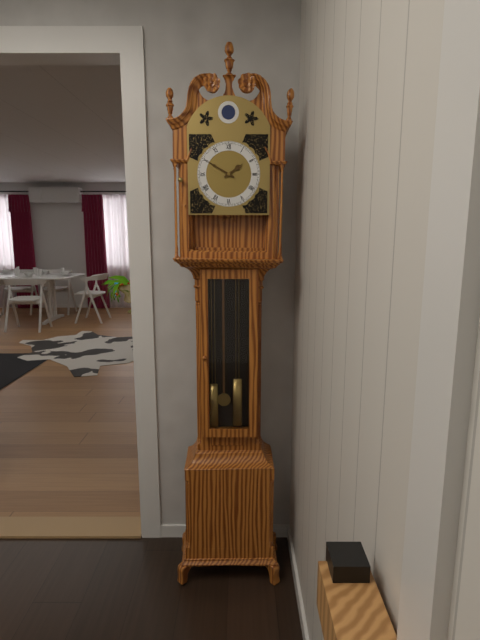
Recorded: h=1 m=50
